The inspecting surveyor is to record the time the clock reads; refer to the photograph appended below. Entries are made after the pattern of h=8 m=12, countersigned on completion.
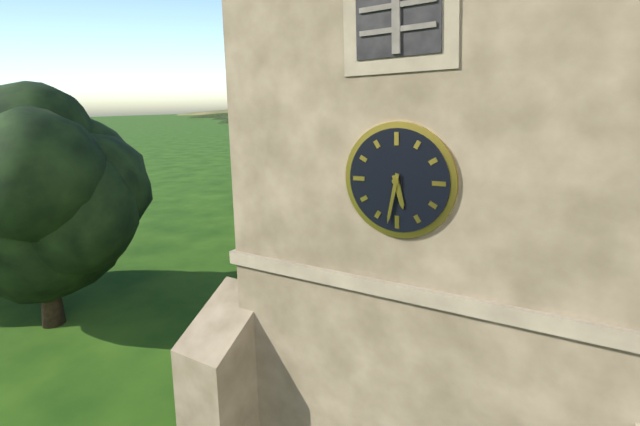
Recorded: h=5 m=32
